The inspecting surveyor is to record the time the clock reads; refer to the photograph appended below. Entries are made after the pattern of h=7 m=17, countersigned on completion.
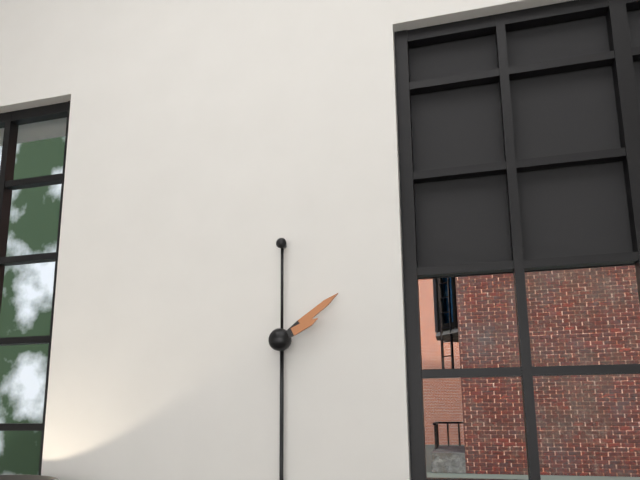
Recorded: h=2 m=9
